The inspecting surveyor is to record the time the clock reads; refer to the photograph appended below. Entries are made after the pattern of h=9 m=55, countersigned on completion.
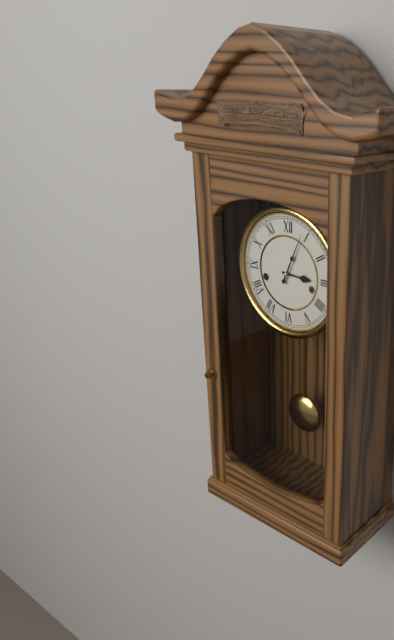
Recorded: h=3 m=4
